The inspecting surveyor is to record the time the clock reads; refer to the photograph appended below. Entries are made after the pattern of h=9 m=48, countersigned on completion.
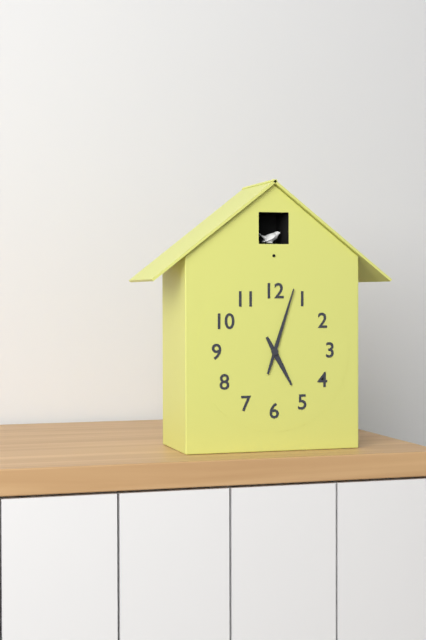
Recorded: h=5 m=3
